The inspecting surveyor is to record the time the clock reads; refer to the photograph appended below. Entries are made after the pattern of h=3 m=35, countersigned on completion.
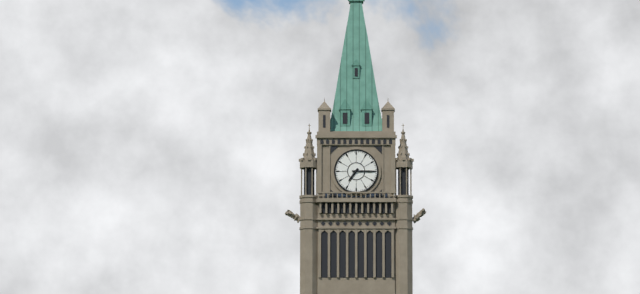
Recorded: h=7 m=15
